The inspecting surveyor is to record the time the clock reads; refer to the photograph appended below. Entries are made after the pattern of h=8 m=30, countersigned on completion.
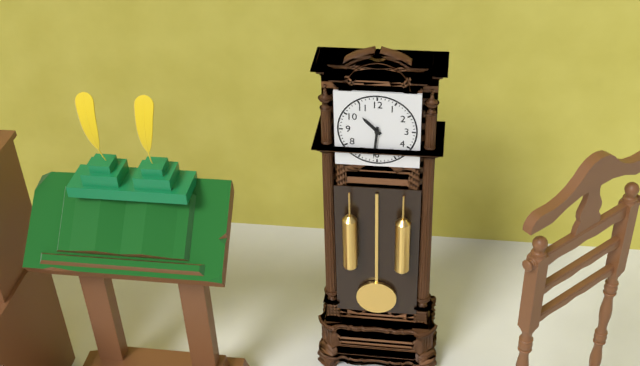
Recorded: h=10 m=31
